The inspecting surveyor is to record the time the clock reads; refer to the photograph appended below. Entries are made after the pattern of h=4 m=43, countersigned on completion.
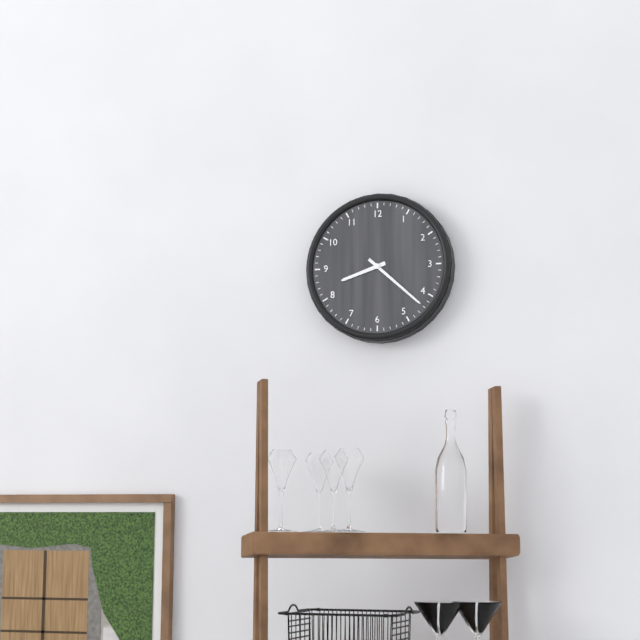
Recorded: h=8 m=22
